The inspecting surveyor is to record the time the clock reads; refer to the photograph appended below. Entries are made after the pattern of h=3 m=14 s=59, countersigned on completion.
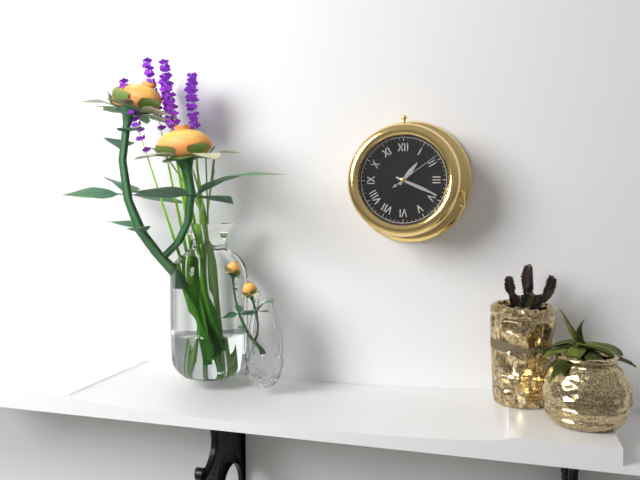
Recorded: h=1 m=19 s=9
